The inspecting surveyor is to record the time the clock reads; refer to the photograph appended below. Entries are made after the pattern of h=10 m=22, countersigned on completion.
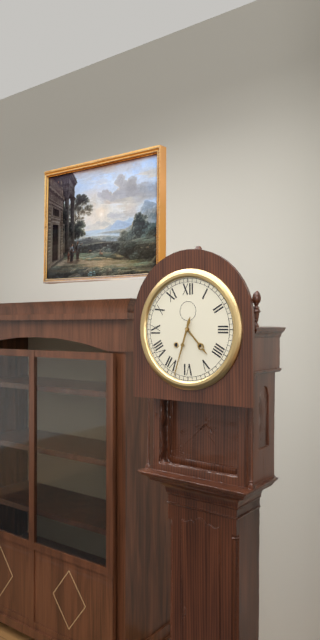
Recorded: h=4 m=33
